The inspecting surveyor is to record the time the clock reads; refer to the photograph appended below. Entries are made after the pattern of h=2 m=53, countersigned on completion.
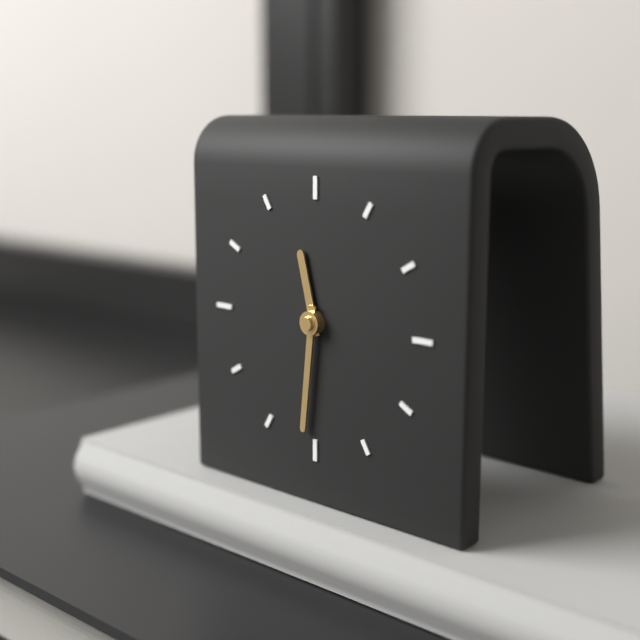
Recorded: h=11 m=31
